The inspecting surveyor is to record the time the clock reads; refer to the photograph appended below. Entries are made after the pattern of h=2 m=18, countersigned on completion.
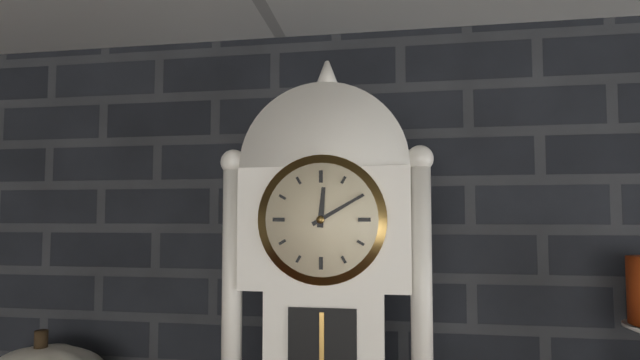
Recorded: h=12 m=10
